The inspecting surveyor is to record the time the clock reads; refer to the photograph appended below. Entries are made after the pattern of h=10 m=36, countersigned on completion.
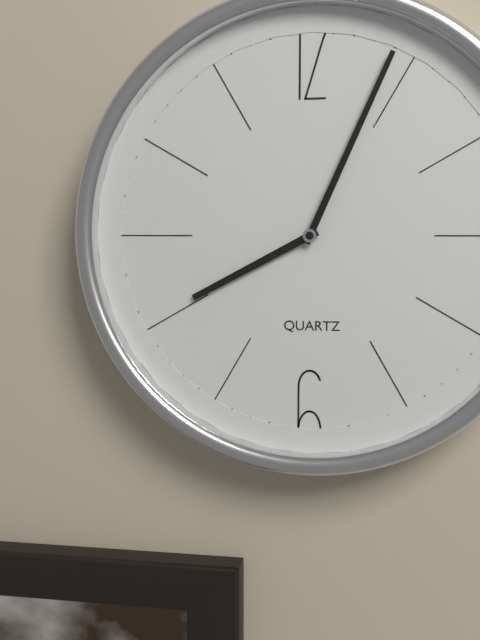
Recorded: h=8 m=4
